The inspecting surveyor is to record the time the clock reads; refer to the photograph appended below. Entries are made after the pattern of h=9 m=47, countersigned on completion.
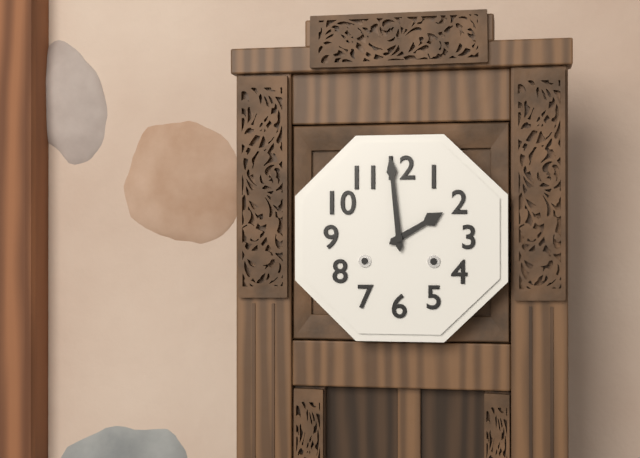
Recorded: h=1 m=59
